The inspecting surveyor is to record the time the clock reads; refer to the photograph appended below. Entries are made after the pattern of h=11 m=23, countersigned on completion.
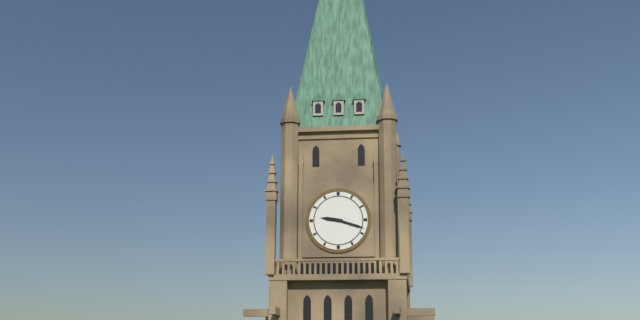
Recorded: h=9 m=18
